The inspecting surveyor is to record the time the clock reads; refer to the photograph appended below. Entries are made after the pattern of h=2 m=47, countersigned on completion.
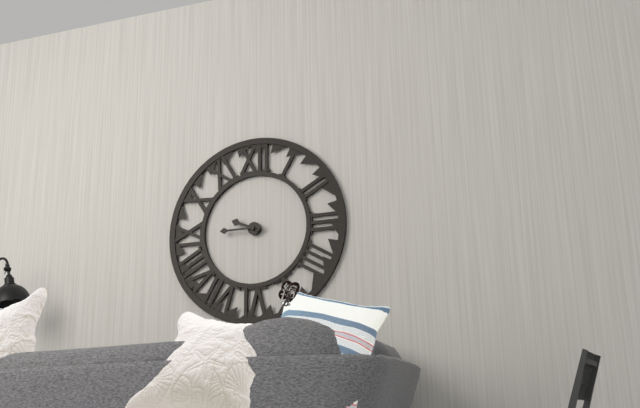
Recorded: h=9 m=45
